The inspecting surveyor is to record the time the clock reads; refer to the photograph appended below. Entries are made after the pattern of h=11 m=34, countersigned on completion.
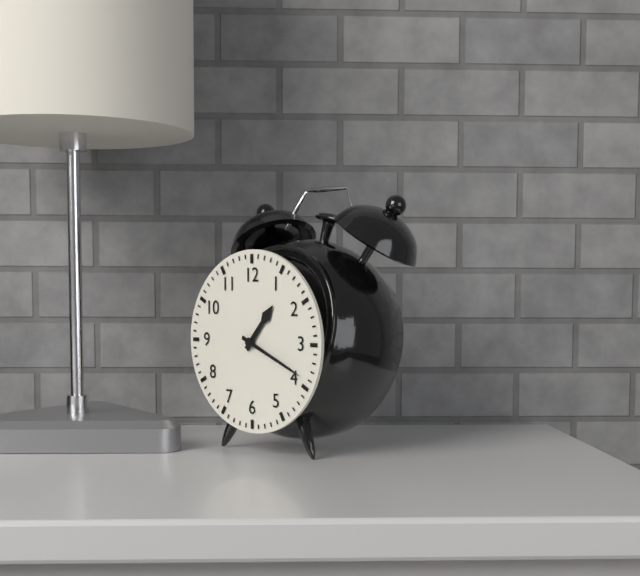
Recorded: h=1 m=19
